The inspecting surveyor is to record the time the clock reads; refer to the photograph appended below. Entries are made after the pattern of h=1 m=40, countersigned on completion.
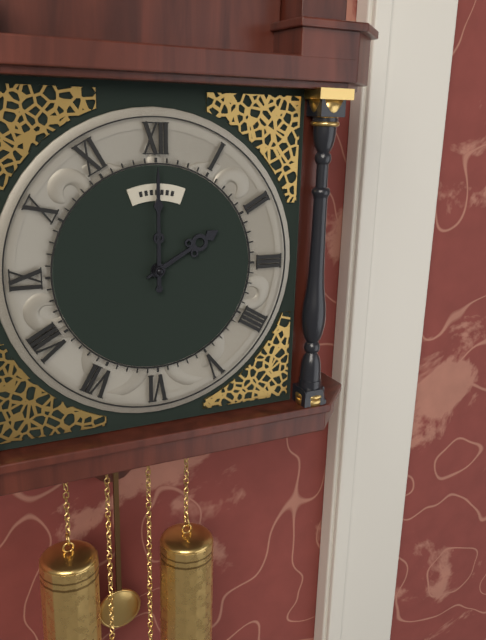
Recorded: h=2 m=0
